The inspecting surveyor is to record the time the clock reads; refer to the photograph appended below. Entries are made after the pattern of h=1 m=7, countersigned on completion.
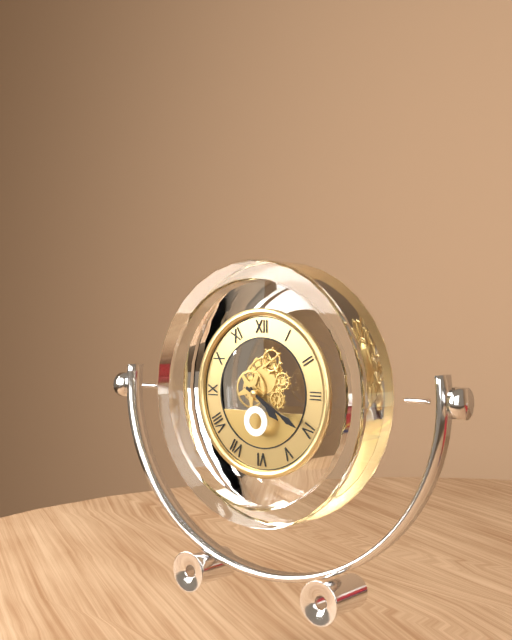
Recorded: h=4 m=20
